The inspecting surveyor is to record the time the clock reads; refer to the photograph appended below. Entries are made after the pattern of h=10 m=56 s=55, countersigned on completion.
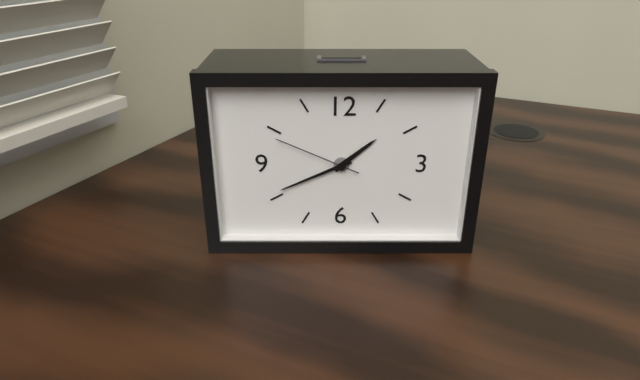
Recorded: h=1 m=41 s=49
